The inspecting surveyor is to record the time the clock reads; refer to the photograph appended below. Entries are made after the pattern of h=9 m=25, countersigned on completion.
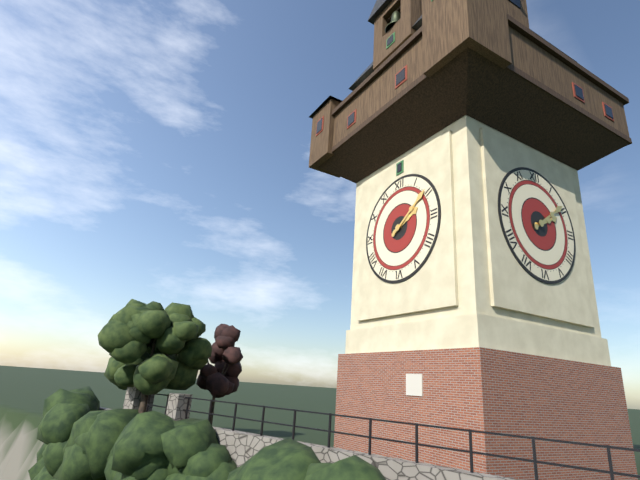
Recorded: h=2 m=9
